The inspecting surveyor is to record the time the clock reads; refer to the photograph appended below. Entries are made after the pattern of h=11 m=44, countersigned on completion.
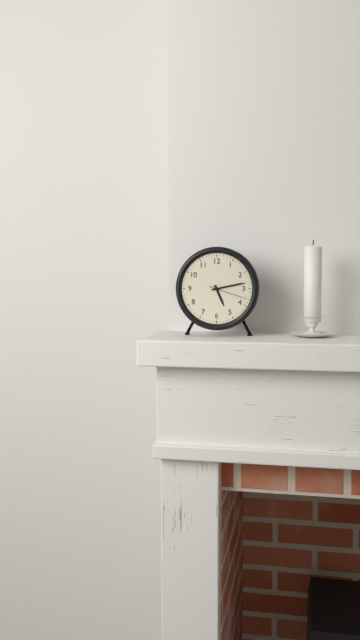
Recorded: h=5 m=13
